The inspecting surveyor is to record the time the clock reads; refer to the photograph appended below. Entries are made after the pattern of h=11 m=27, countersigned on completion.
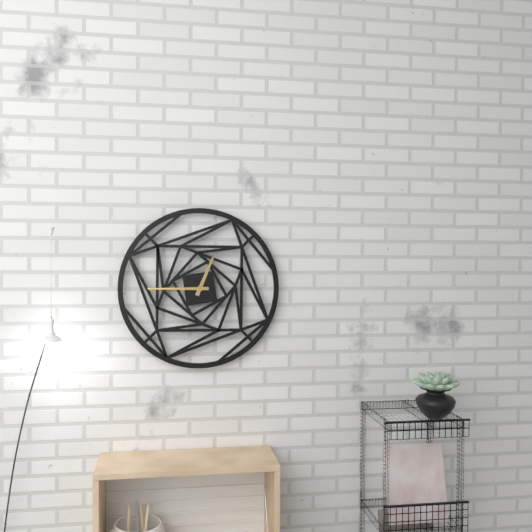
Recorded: h=12 m=45
